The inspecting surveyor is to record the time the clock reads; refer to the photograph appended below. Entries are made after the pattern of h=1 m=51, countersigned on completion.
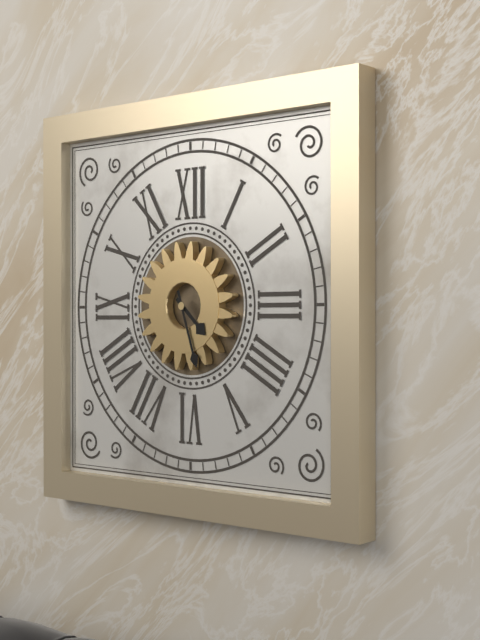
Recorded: h=4 m=27
